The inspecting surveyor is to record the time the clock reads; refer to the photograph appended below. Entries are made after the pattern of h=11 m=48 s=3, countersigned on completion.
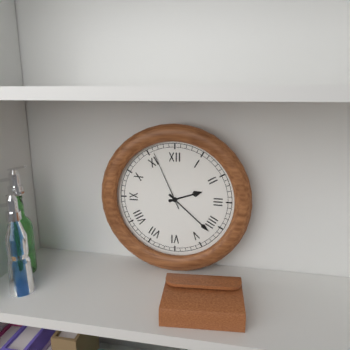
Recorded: h=2 m=22 s=56
